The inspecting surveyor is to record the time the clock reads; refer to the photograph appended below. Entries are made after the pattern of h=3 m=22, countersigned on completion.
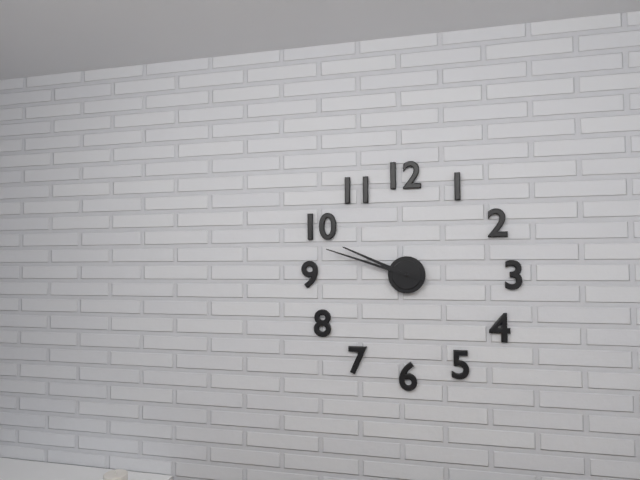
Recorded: h=9 m=48
